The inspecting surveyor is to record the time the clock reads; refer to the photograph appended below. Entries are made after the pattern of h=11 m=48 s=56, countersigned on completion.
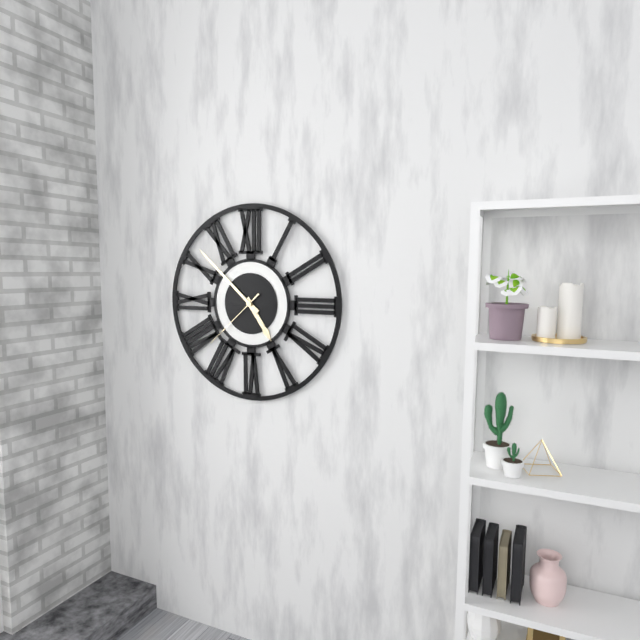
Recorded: h=4 m=52 s=38
